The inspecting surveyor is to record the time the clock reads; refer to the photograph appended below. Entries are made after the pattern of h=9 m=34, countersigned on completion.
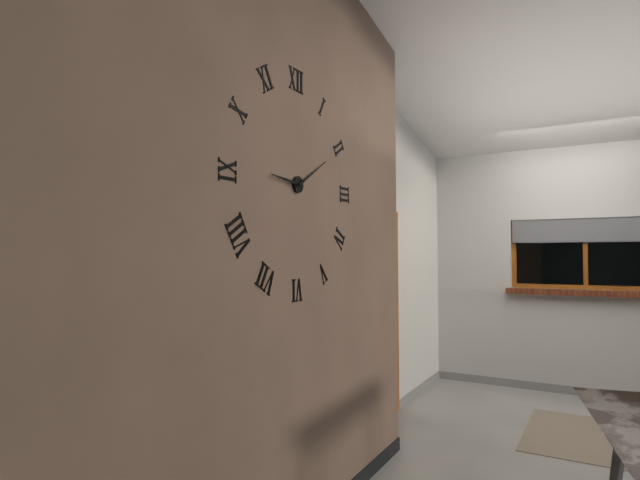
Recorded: h=9 m=10
